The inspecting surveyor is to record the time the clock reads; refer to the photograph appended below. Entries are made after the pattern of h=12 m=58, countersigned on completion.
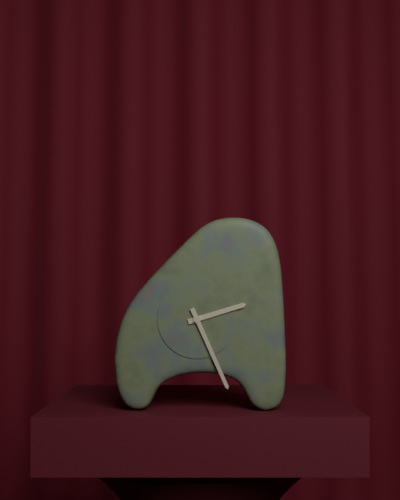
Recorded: h=2 m=26
